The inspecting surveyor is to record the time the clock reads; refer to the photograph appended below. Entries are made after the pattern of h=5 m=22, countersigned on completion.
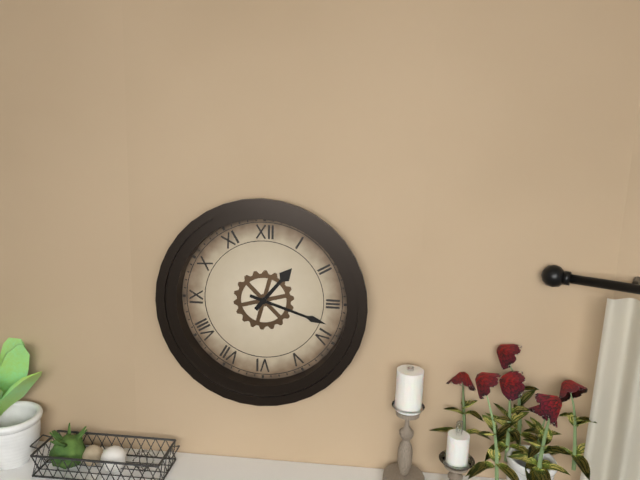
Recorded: h=1 m=18
